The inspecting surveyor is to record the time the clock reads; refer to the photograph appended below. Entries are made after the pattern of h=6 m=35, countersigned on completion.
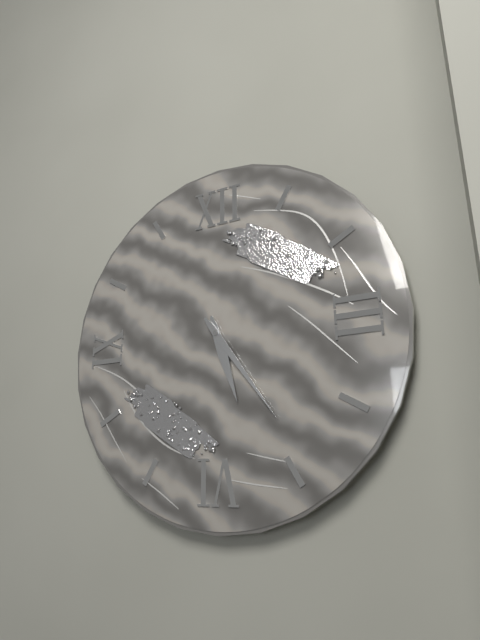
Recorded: h=5 m=24
